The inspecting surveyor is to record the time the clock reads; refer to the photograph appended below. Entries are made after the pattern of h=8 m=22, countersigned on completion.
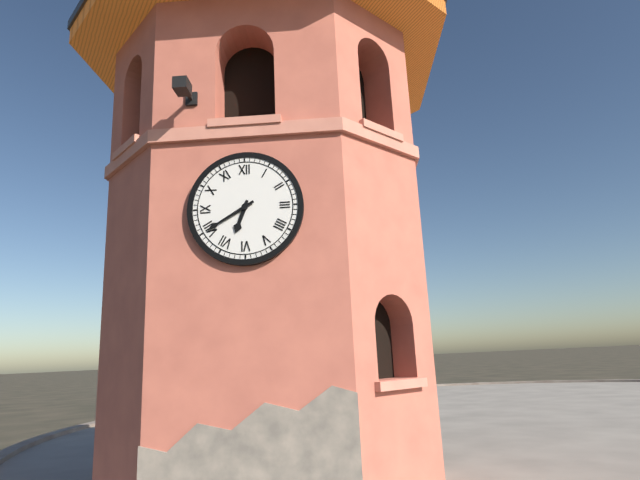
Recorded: h=6 m=40
